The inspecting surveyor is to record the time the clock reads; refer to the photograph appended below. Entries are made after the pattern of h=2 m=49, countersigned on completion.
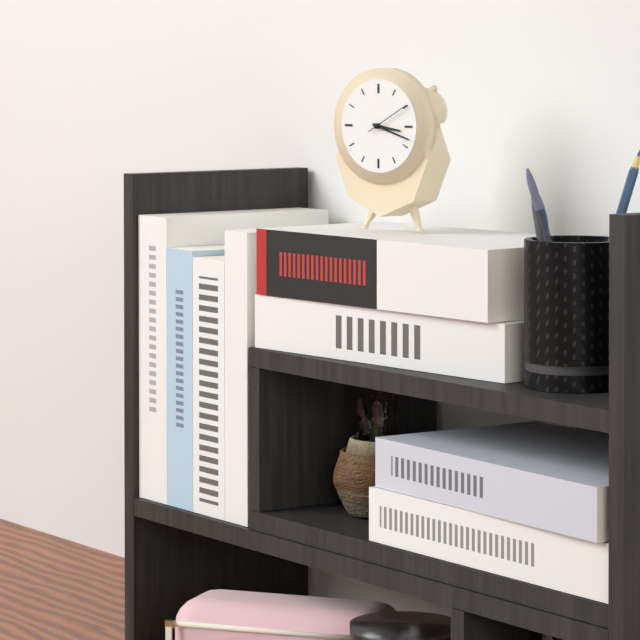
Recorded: h=3 m=18
